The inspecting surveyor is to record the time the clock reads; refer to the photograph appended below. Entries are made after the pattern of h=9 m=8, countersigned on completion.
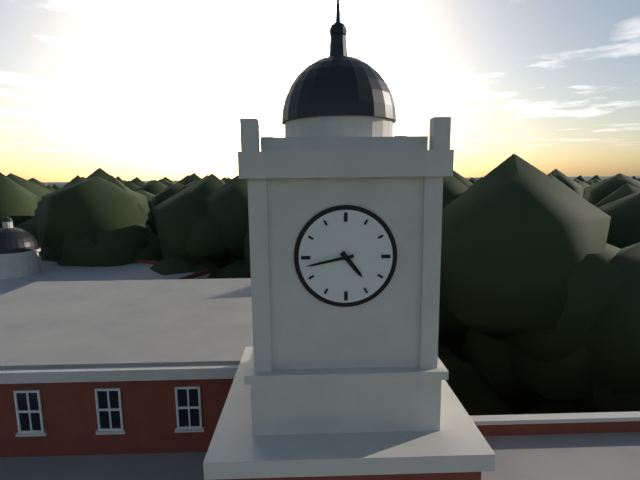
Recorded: h=4 m=43
